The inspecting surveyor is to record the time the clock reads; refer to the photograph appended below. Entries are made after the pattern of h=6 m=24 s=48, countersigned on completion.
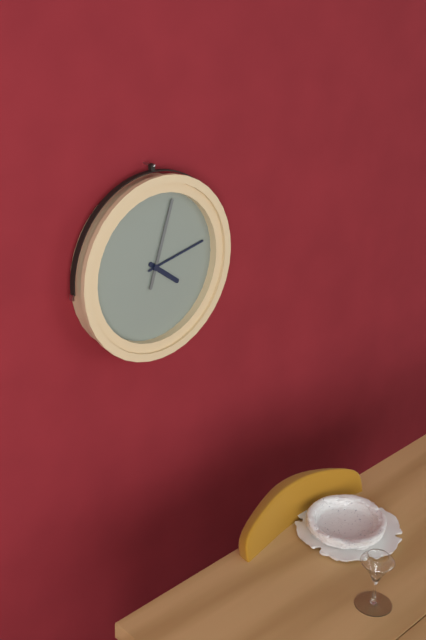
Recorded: h=4 m=13 s=3
